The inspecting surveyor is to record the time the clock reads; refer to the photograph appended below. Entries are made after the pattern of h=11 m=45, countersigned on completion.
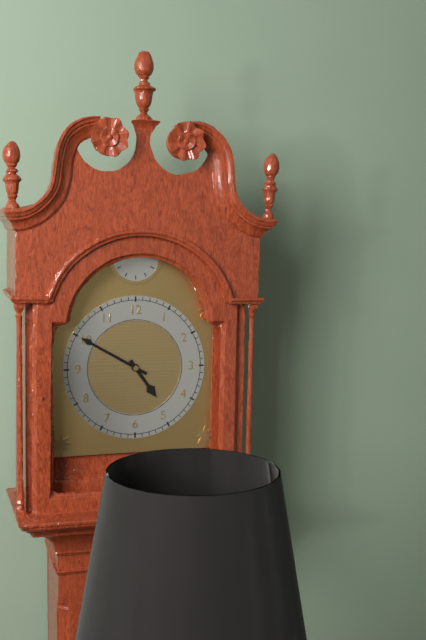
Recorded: h=4 m=50
